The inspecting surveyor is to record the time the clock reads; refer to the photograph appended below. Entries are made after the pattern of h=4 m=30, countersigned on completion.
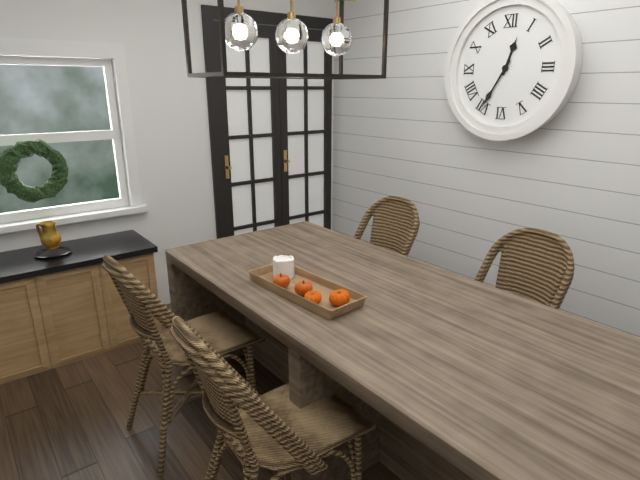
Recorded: h=12 m=35
